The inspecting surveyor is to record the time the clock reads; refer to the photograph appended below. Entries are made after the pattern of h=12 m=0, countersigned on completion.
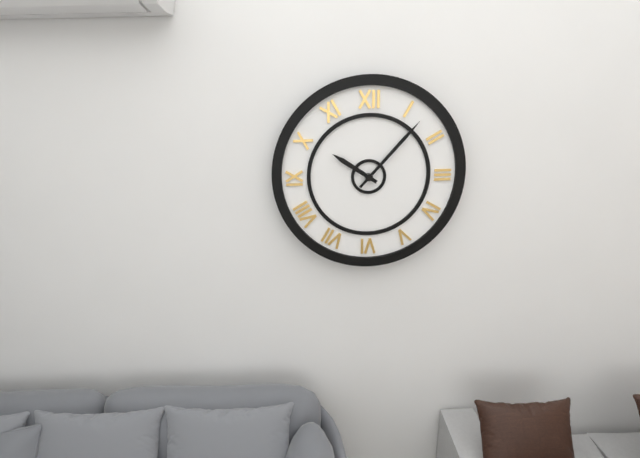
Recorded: h=10 m=7
